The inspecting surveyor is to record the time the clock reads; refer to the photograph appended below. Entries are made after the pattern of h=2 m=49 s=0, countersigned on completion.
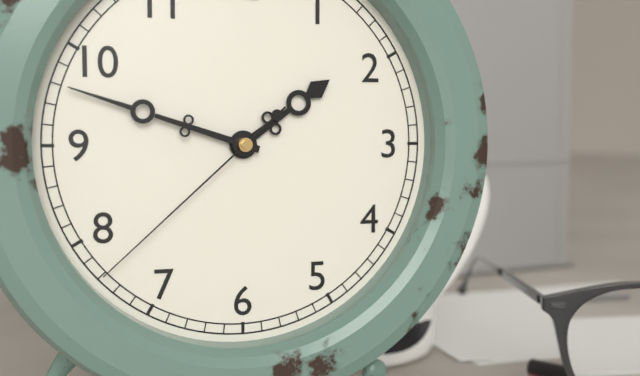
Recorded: h=1 m=48 s=38
